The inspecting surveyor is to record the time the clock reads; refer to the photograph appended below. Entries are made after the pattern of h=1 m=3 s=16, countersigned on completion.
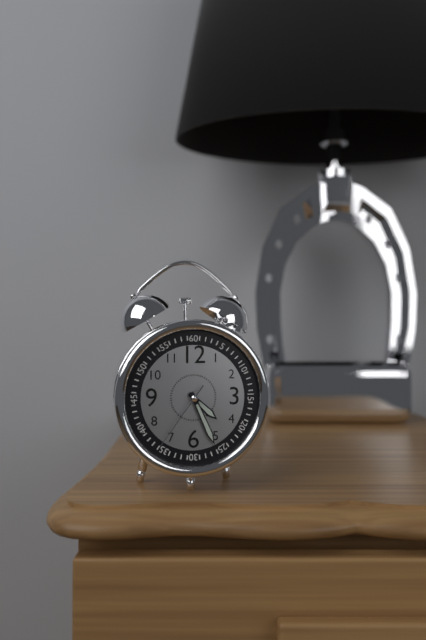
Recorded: h=4 m=26 s=36
